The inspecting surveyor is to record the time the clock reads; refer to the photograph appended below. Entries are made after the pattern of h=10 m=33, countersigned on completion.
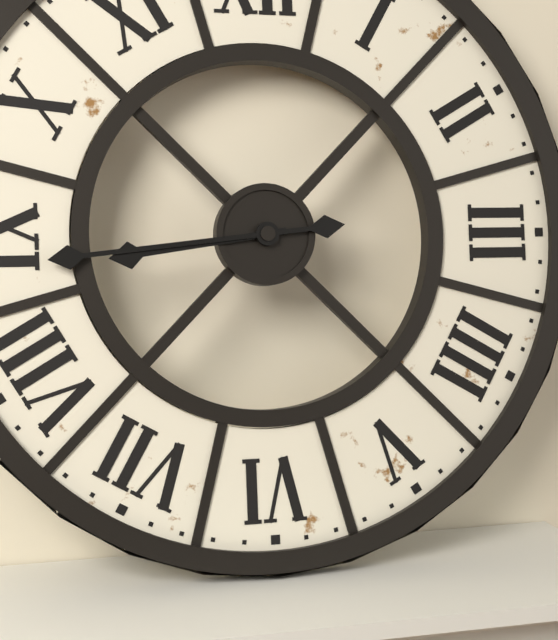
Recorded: h=8 m=44
